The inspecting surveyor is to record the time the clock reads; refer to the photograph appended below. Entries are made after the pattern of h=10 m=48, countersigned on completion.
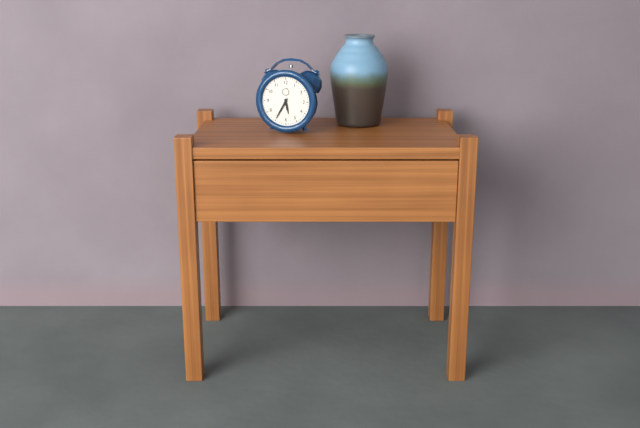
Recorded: h=5 m=35
